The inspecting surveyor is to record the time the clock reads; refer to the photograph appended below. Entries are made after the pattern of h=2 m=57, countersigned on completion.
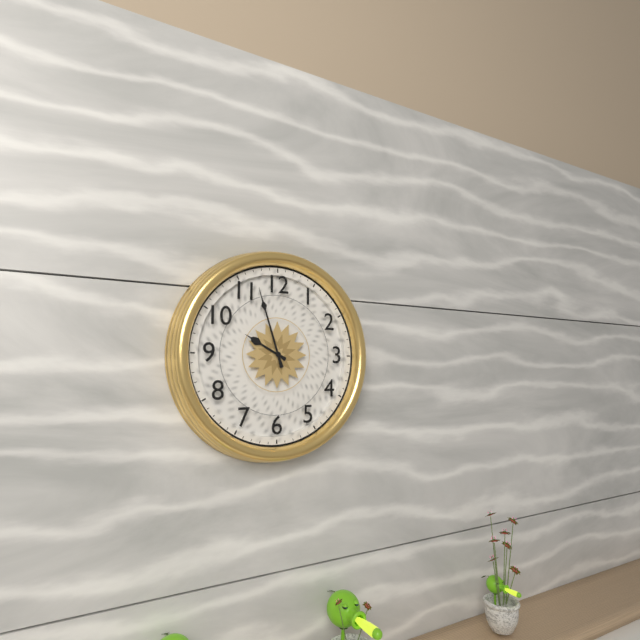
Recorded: h=9 m=57
